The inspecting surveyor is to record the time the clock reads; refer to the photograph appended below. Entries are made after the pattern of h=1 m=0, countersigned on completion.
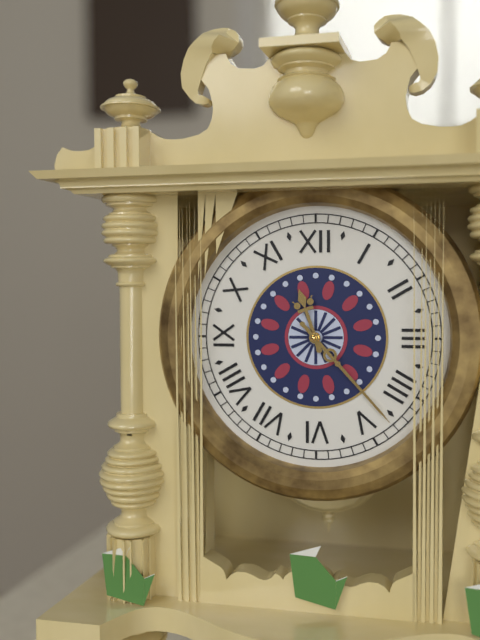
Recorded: h=11 m=23
